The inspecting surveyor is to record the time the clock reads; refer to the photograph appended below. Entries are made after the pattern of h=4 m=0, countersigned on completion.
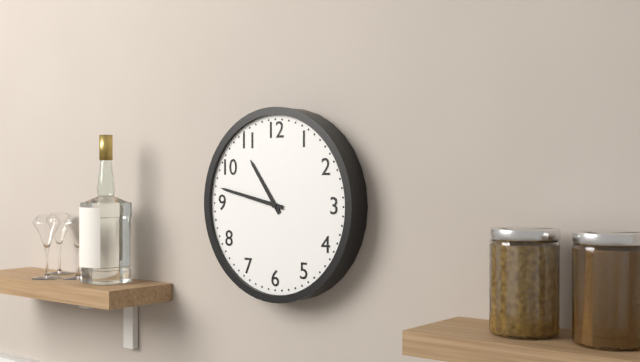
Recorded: h=10 m=47
